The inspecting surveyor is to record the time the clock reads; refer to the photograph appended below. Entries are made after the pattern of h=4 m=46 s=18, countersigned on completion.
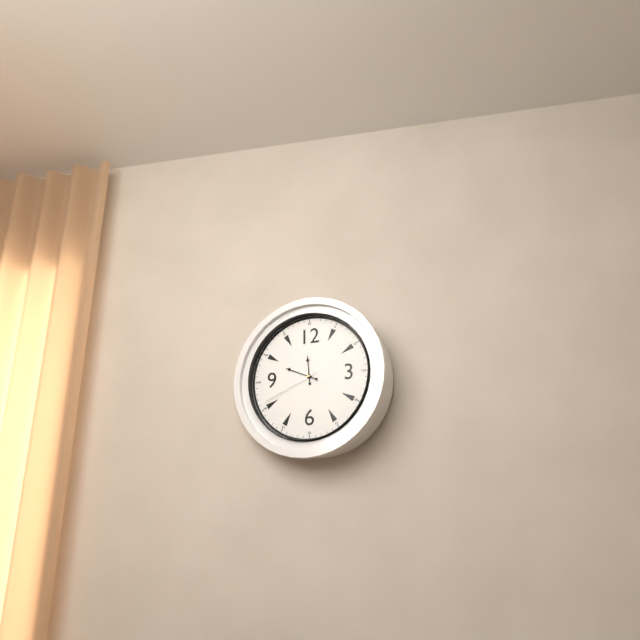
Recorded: h=11 m=49 s=41
